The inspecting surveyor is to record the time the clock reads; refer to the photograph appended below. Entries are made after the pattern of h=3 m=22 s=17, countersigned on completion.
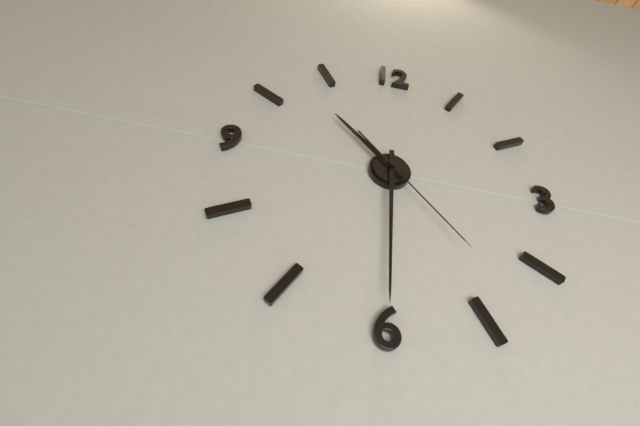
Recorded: h=10 m=30 s=23
